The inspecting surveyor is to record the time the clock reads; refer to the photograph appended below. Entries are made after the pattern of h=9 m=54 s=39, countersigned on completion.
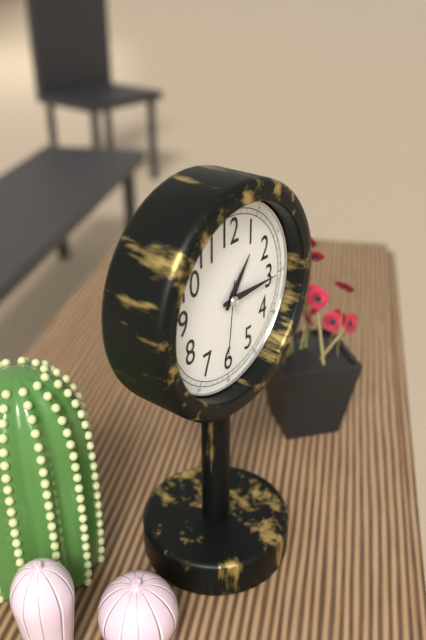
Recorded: h=1 m=15 s=31
